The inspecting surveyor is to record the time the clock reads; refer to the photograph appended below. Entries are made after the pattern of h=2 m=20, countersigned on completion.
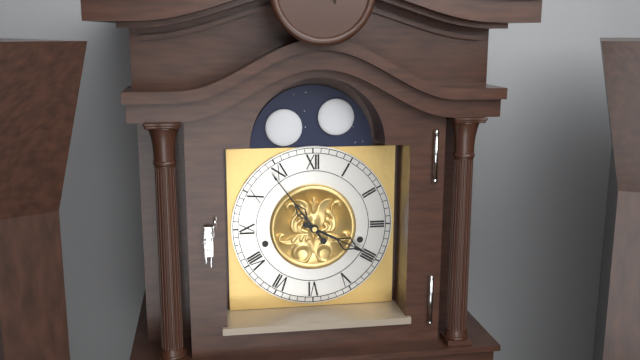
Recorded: h=3 m=54
